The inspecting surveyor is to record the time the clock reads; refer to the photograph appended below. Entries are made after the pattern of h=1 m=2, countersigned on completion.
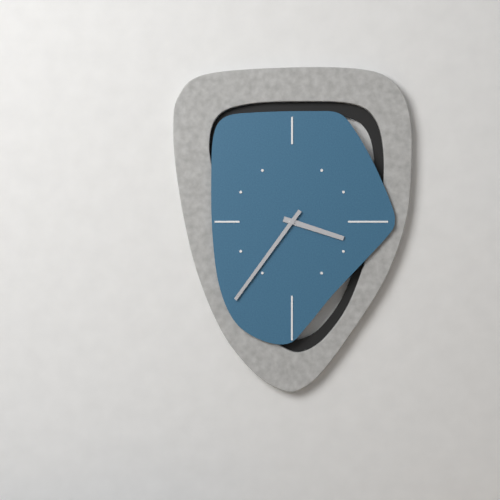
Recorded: h=3 m=36
